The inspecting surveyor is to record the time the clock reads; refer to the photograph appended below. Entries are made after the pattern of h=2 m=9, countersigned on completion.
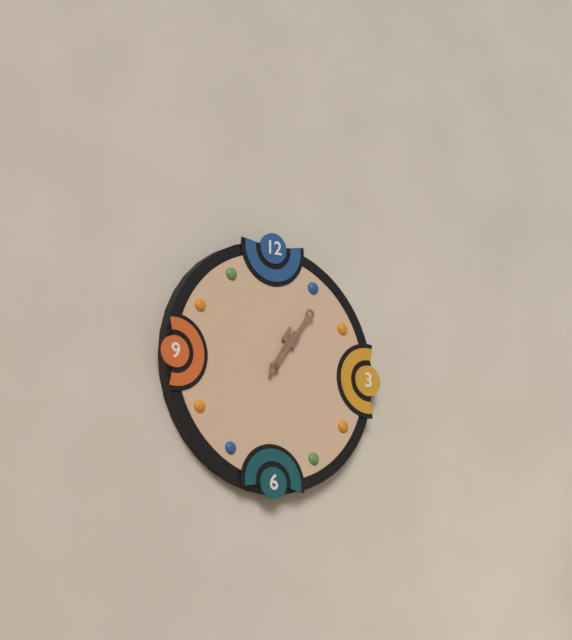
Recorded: h=1 m=6
